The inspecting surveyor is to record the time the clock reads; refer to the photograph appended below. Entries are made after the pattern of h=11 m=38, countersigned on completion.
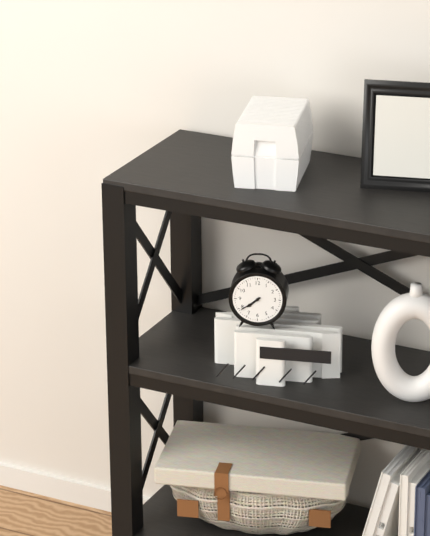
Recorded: h=7 m=39
